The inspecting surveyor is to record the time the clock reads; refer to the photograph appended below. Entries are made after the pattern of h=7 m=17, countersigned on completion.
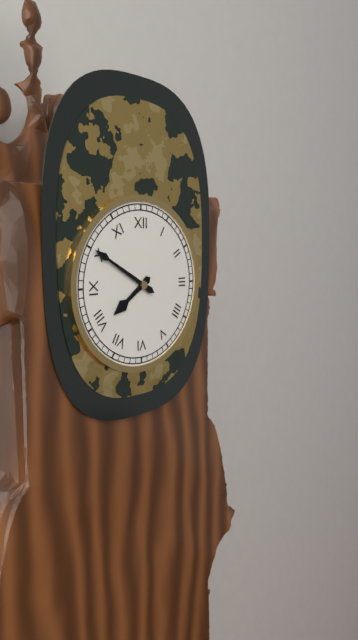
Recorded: h=7 m=50
